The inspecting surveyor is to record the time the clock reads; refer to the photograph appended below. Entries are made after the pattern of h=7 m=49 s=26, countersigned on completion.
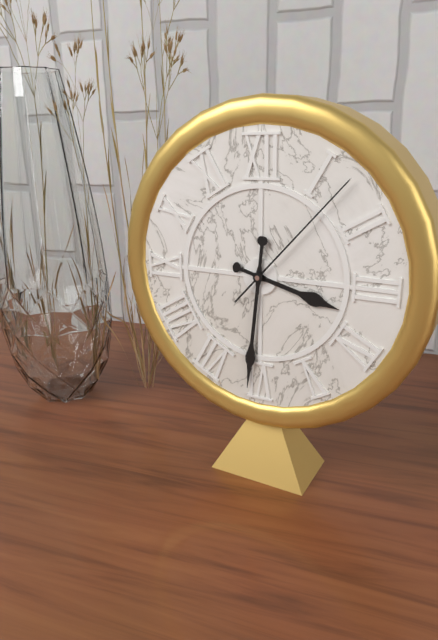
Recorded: h=3 m=31 s=7
